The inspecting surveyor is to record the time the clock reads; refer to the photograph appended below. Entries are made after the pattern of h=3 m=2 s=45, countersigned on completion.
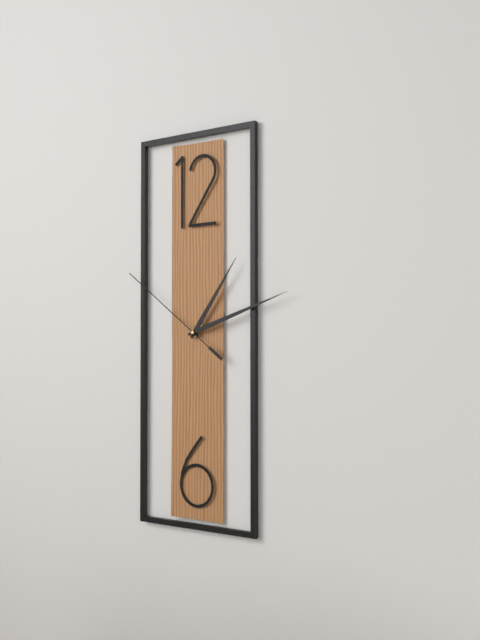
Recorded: h=1 m=12 s=51
